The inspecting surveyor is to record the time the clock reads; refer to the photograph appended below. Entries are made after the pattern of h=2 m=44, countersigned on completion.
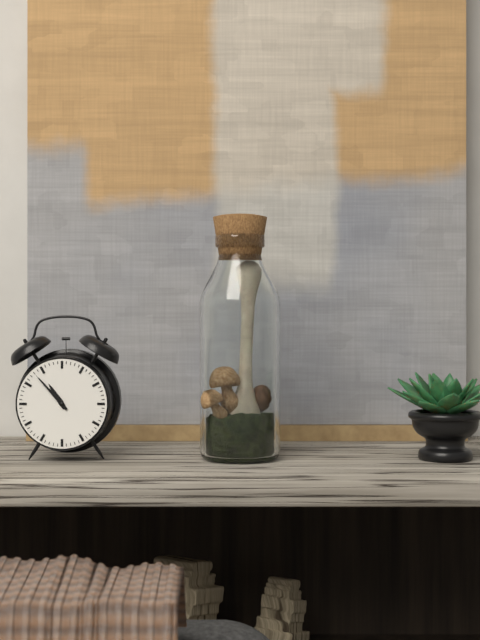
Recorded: h=10 m=53
